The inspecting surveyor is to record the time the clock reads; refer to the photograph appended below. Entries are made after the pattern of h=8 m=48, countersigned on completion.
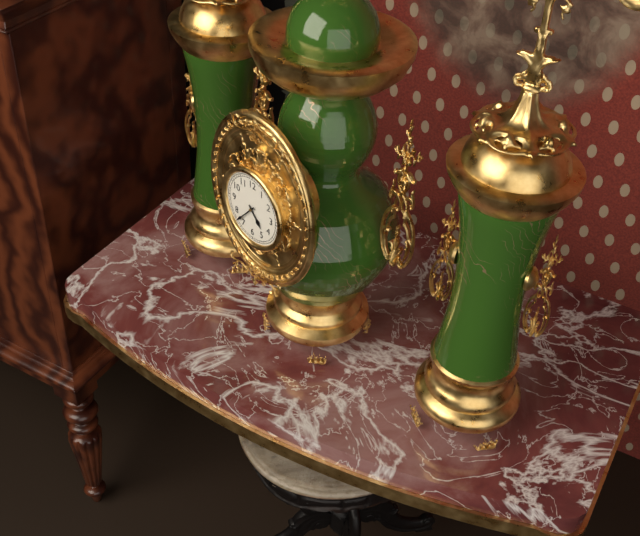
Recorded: h=4 m=37
